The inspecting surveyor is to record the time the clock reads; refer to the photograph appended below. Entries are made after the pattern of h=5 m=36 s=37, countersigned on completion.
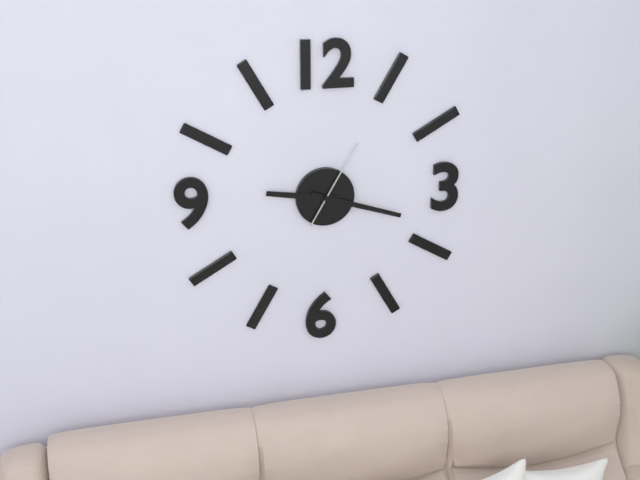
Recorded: h=9 m=18 s=5
